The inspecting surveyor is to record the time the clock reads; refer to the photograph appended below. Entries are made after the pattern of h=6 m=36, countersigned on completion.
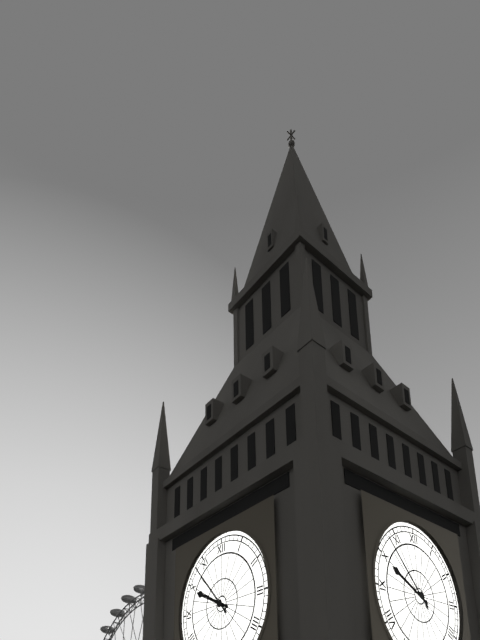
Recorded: h=9 m=53
